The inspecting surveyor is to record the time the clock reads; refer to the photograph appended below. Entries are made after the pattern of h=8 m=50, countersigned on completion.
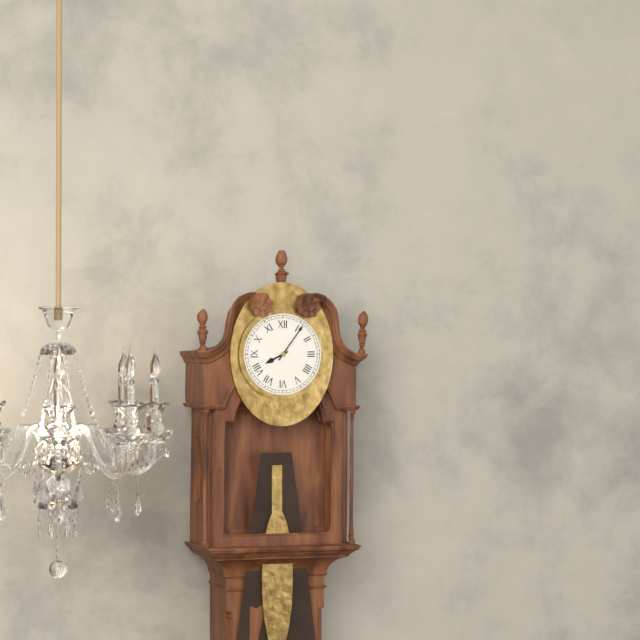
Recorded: h=8 m=6
